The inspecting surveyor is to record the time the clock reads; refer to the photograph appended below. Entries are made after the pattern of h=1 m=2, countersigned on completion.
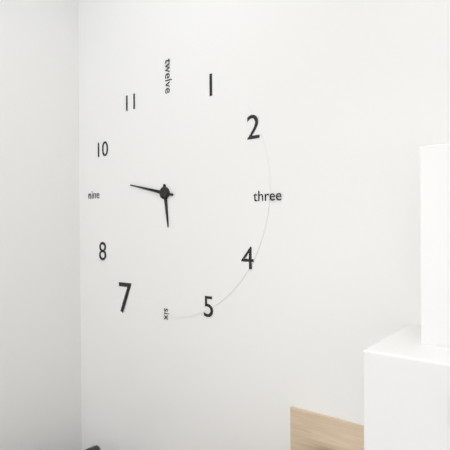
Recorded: h=5 m=47
